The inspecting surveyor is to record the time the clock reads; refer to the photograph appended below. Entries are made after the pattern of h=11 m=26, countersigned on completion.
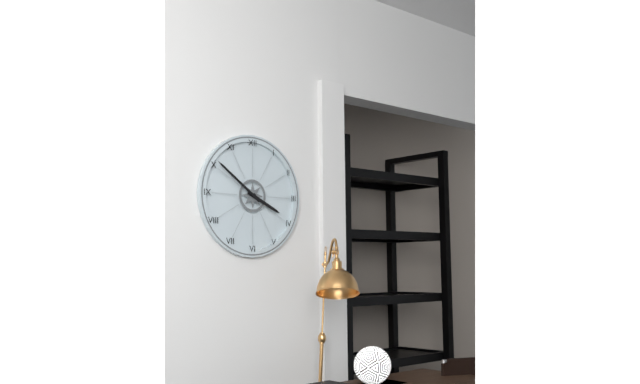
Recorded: h=3 m=51
